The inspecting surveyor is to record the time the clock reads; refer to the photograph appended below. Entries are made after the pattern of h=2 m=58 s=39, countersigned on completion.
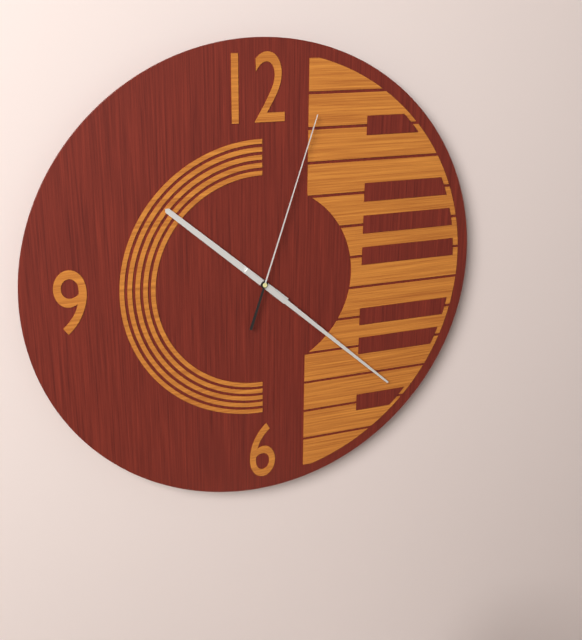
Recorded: h=10 m=22 s=3
